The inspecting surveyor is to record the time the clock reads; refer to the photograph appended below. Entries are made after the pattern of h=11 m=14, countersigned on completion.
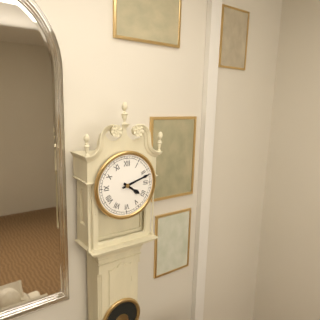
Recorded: h=4 m=12
